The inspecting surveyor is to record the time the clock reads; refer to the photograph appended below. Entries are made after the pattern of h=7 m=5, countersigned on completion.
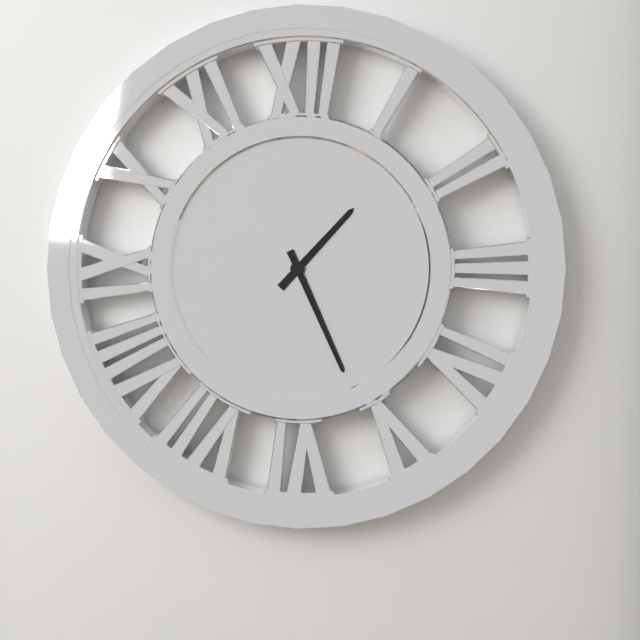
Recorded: h=1 m=26
